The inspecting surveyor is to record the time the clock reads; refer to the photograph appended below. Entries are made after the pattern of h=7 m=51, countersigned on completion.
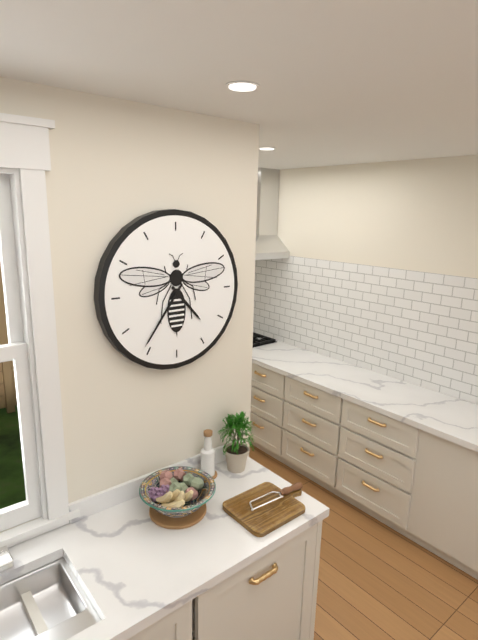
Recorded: h=4 m=36
